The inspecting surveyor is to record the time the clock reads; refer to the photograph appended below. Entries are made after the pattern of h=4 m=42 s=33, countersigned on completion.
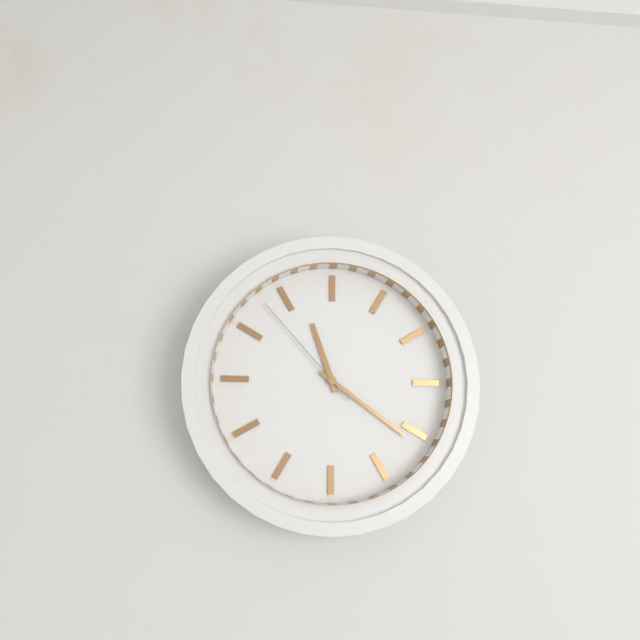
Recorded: h=11 m=21 s=53
